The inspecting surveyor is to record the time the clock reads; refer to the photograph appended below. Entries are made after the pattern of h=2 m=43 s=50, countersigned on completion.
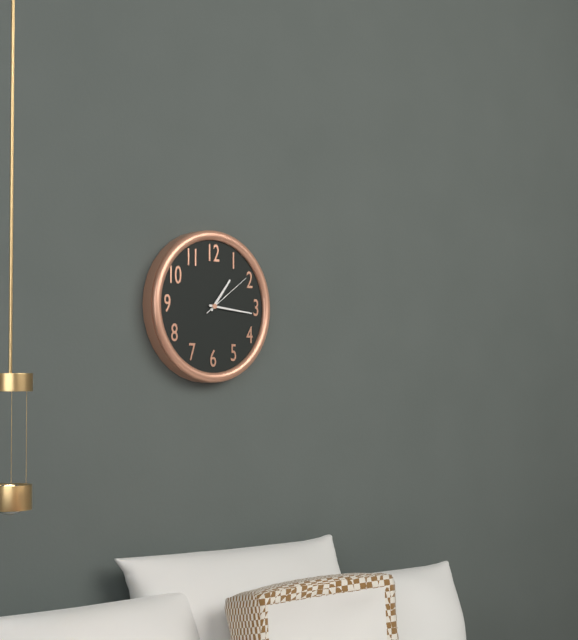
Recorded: h=1 m=16 s=9
